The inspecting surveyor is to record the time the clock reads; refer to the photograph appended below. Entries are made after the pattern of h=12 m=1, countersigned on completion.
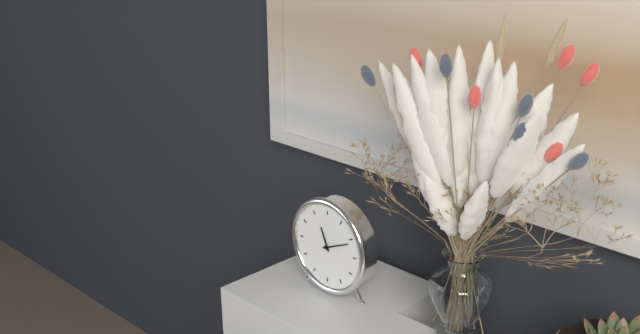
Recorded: h=11 m=11
